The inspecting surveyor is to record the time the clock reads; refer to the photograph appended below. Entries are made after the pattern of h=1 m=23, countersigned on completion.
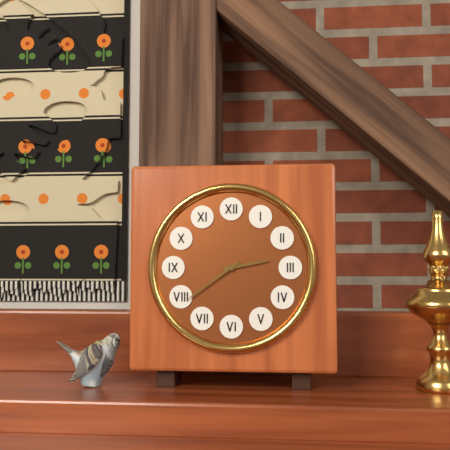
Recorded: h=2 m=39
